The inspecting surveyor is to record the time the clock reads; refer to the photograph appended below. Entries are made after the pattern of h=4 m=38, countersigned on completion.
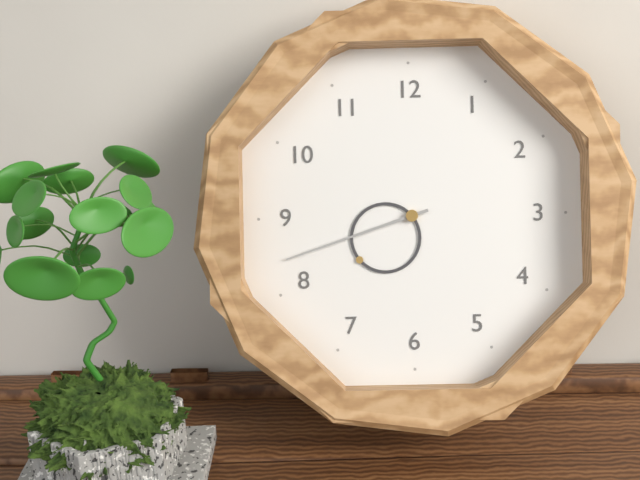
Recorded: h=7 m=42
